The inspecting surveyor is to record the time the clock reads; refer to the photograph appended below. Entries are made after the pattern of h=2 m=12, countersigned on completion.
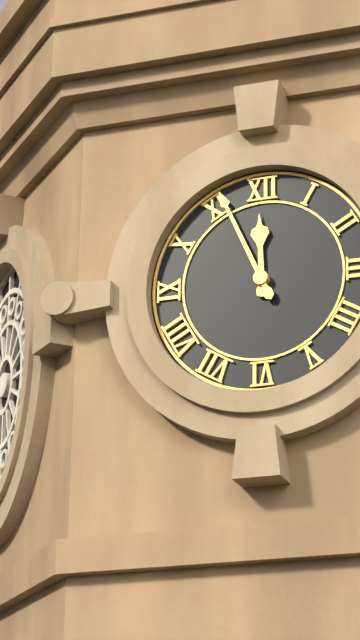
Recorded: h=11 m=56
